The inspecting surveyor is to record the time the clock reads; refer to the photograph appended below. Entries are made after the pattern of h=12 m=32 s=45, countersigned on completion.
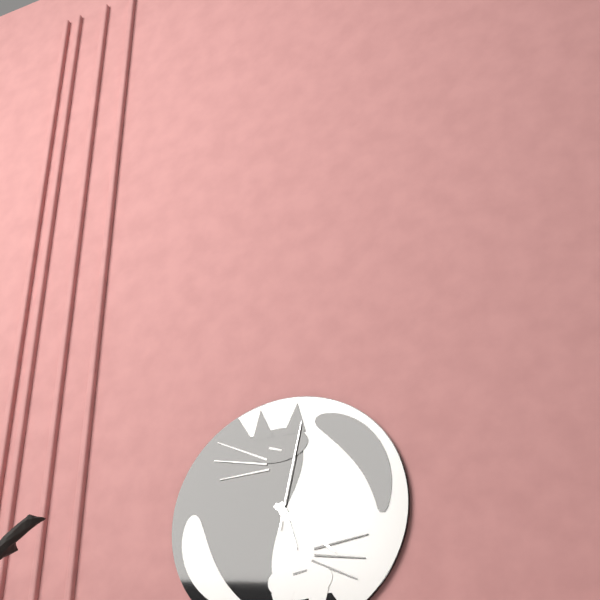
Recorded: h=5 m=22 s=2
